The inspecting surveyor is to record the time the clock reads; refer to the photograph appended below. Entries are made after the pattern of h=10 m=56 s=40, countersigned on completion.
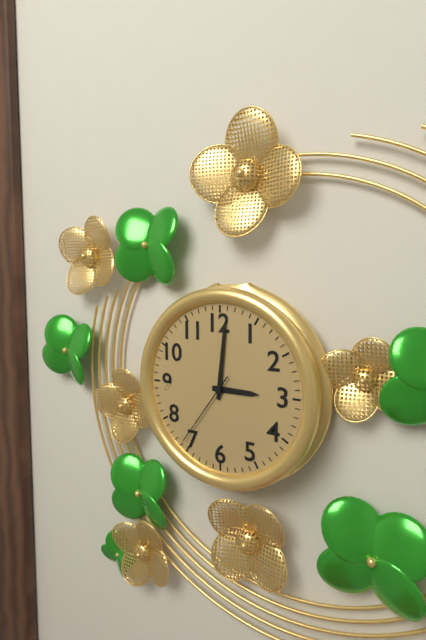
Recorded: h=3 m=1 s=36
